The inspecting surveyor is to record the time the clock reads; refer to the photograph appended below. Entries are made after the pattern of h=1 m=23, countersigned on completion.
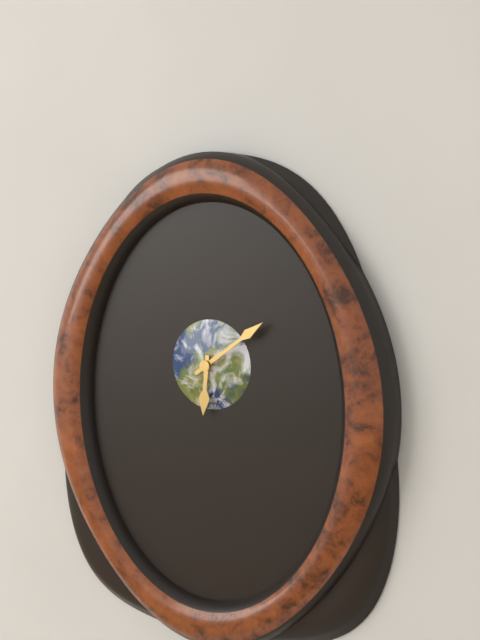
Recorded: h=6 m=9
